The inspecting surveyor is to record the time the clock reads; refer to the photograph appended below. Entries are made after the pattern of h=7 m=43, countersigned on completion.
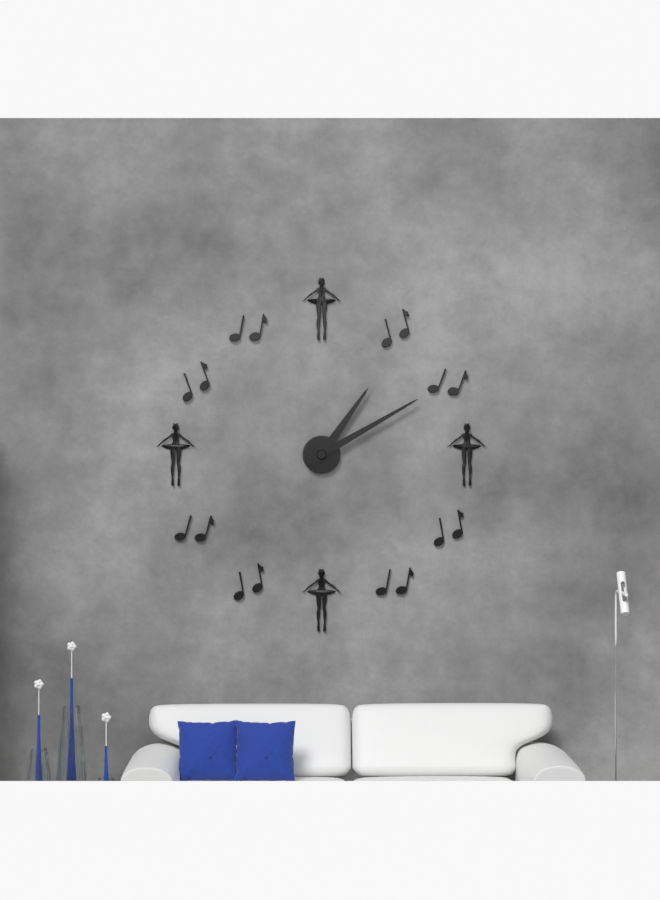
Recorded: h=1 m=10
